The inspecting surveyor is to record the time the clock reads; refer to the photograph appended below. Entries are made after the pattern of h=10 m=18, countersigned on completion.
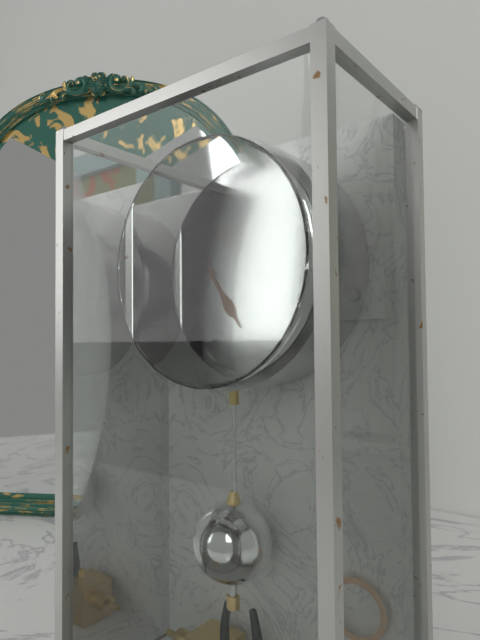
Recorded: h=4 m=52
